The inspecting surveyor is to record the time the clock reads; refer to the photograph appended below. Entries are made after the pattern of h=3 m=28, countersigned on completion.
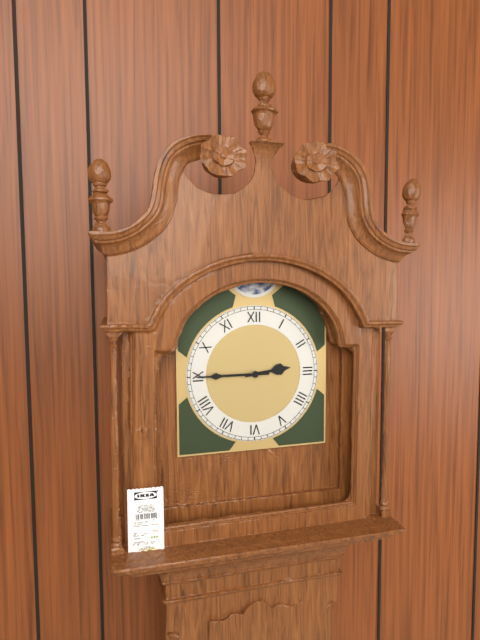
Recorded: h=2 m=45
